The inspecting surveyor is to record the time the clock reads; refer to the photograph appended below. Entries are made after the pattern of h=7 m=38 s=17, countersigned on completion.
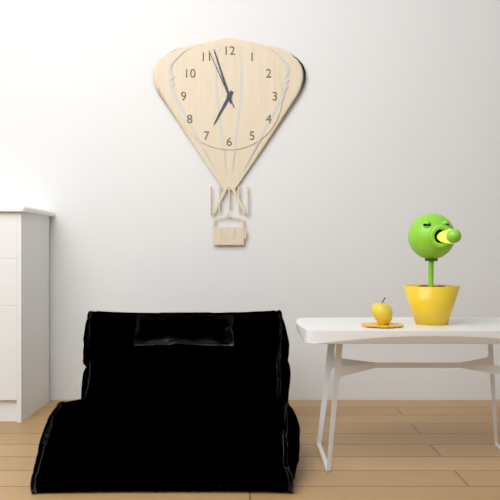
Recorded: h=6 m=57 s=56
